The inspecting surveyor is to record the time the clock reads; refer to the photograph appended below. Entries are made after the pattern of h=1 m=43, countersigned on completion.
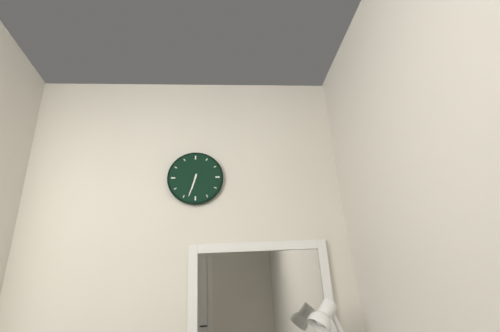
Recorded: h=6 m=33
